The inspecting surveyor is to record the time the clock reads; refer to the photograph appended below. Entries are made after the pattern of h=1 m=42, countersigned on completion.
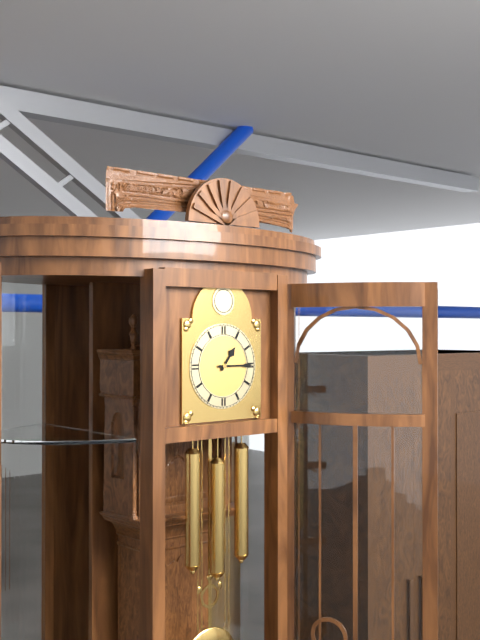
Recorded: h=1 m=15
